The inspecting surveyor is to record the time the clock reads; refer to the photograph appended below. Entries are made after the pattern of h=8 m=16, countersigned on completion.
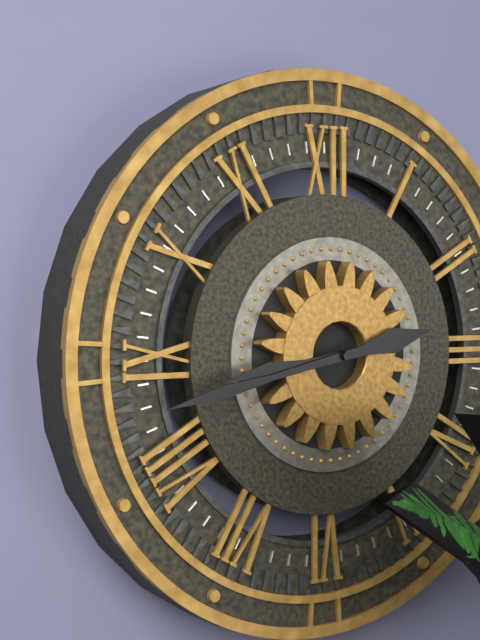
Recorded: h=8 m=43
